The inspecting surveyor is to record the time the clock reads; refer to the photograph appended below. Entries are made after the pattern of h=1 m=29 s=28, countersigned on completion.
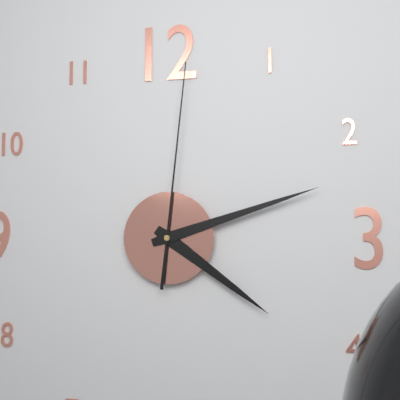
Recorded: h=4 m=12 s=1
